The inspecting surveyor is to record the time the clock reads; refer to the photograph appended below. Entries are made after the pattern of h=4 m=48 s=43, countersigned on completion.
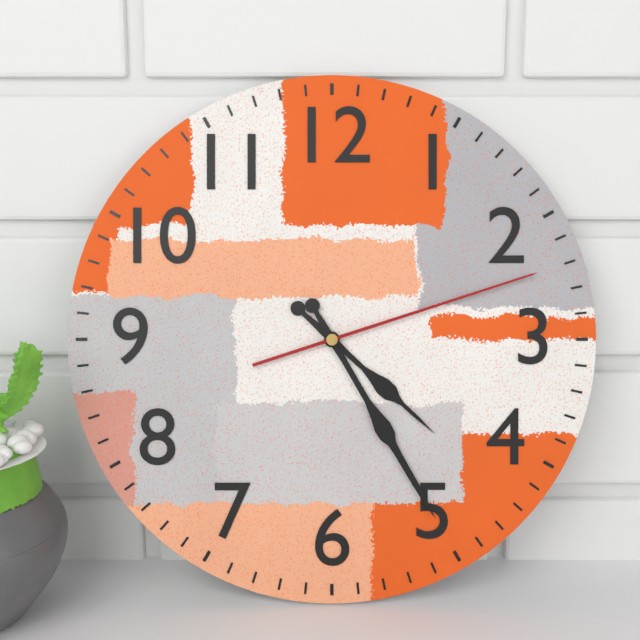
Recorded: h=4 m=25 s=12
